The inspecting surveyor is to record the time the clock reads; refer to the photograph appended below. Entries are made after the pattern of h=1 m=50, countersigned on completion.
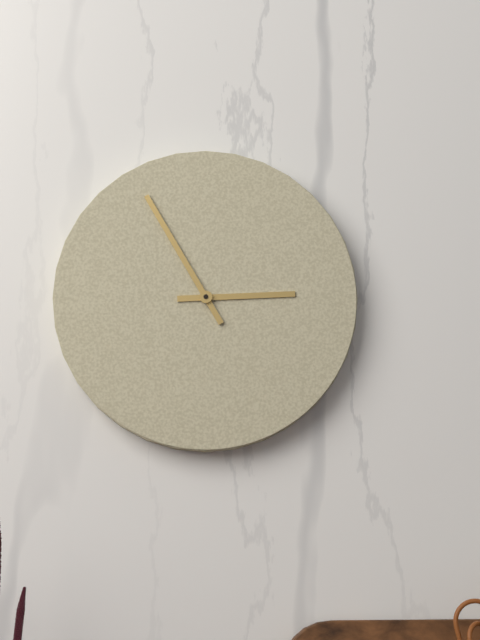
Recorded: h=2 m=55
